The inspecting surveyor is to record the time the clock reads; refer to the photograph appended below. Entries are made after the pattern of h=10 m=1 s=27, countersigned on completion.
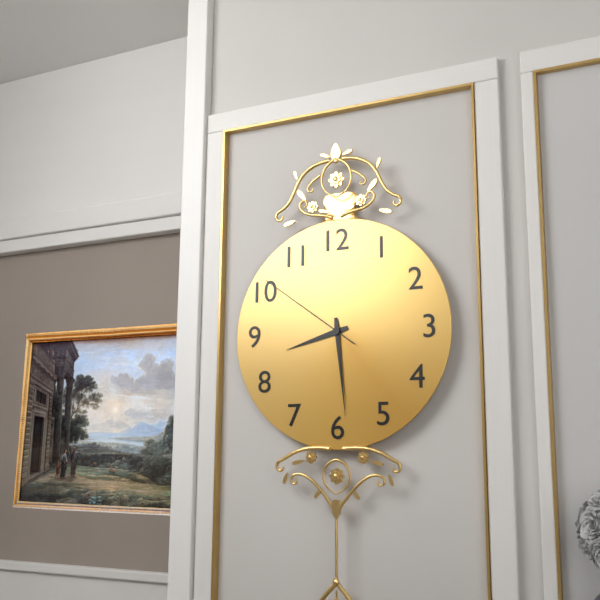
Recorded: h=8 m=29 s=51
